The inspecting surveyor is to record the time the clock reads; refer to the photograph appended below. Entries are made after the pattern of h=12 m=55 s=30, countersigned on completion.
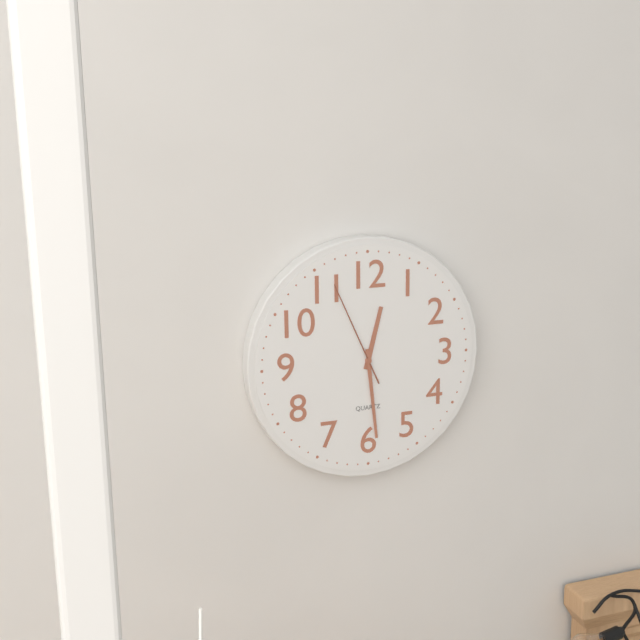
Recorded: h=12 m=29 s=56
